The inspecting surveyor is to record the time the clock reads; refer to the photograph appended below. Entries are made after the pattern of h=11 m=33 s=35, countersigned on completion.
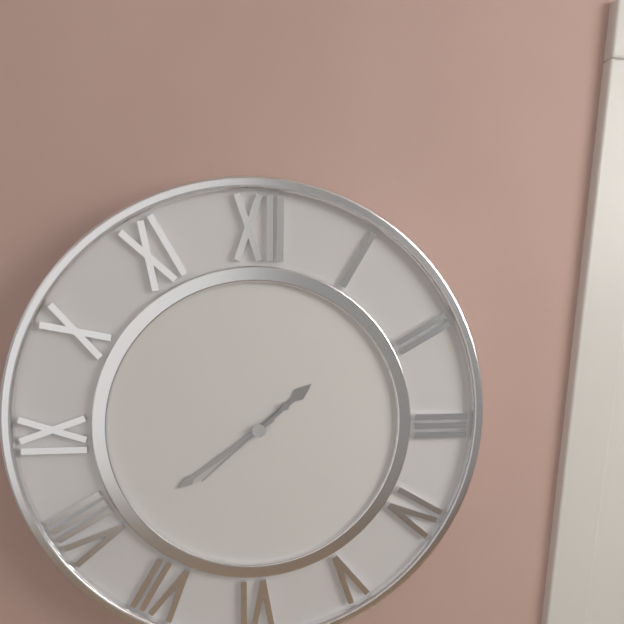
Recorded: h=1 m=39 s=38
